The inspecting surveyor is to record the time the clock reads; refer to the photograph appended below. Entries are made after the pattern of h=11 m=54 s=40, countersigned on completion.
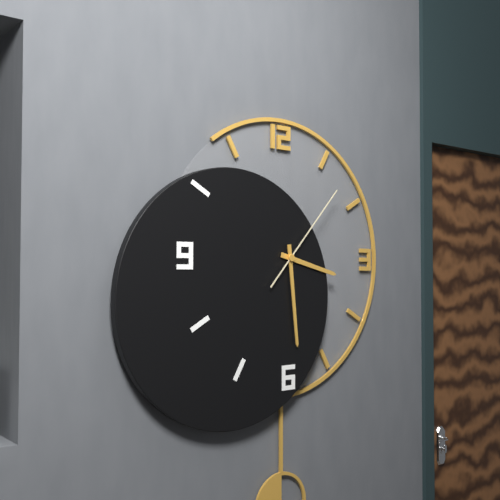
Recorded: h=3 m=29 s=7
